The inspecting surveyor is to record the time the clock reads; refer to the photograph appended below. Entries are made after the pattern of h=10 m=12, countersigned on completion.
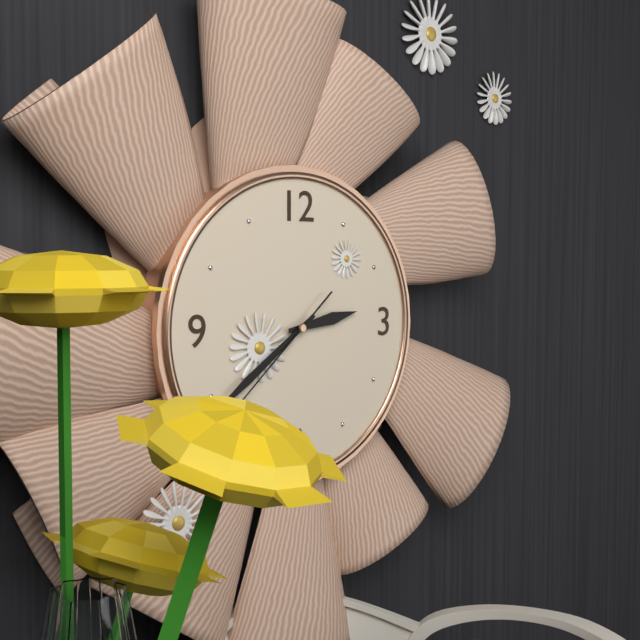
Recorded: h=2 m=39
